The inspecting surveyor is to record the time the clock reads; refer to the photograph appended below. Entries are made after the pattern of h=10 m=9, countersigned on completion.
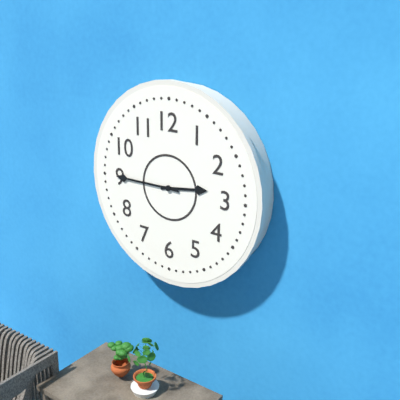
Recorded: h=2 m=45
